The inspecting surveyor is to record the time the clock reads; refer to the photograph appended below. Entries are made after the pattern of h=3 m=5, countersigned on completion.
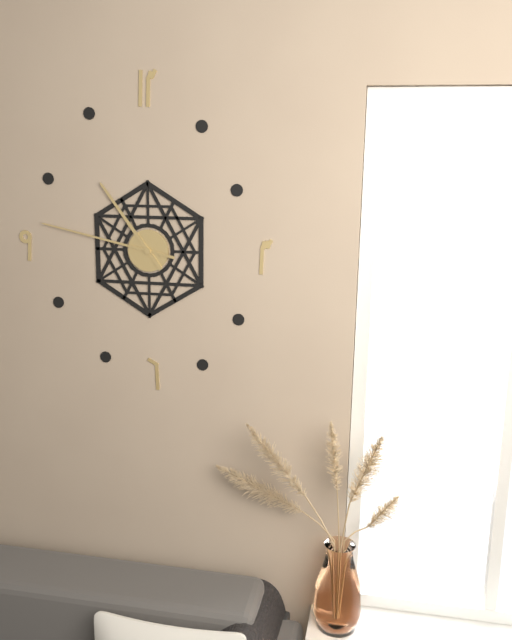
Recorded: h=10 m=47
